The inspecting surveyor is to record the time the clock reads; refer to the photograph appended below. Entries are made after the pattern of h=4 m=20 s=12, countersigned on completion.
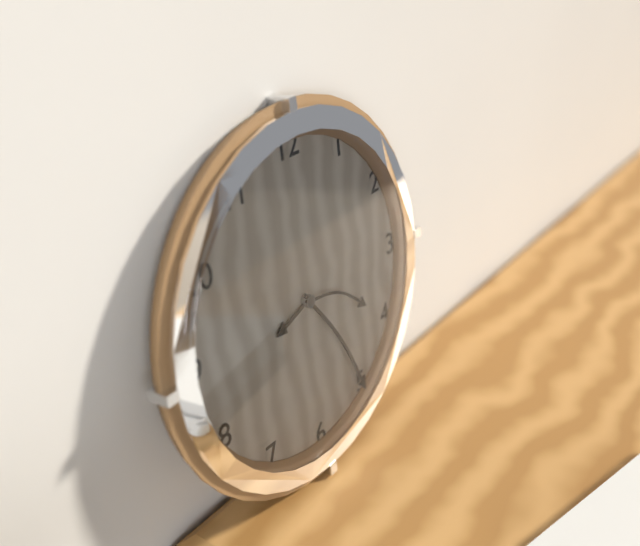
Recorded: h=8 m=25 s=19
